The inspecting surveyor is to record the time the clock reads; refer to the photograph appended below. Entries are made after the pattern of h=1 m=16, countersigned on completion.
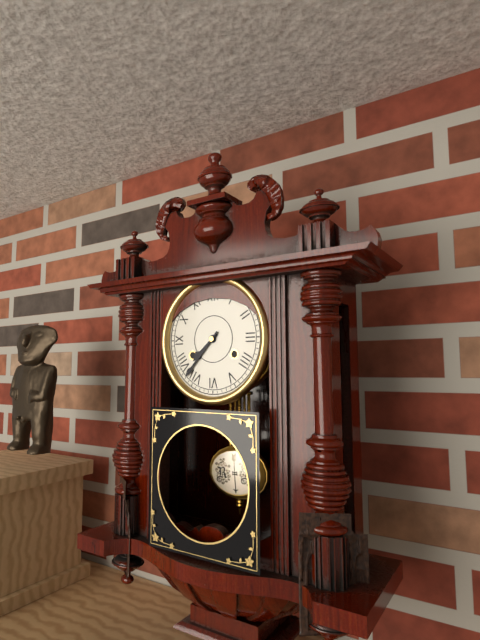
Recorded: h=7 m=37
